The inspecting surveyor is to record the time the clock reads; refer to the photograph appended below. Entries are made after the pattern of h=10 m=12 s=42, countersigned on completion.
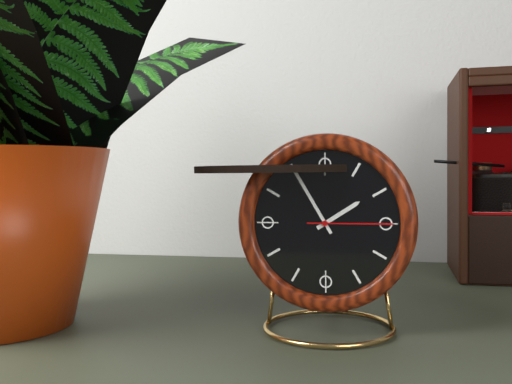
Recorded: h=1 m=55 s=15
